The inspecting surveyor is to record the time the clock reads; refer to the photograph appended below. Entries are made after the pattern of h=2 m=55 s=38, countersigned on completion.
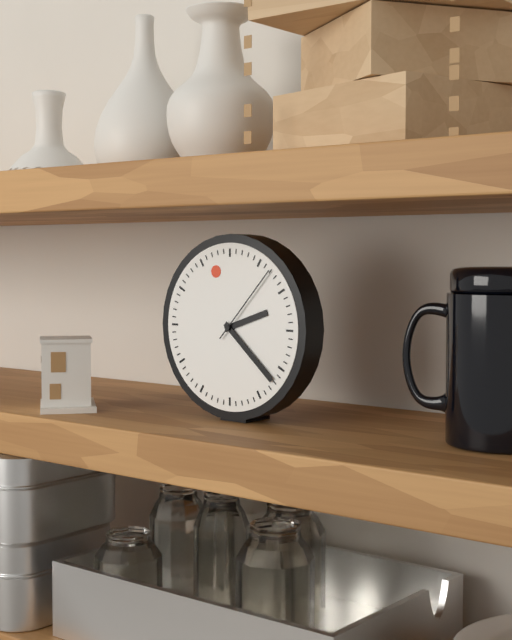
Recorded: h=2 m=22 s=7
